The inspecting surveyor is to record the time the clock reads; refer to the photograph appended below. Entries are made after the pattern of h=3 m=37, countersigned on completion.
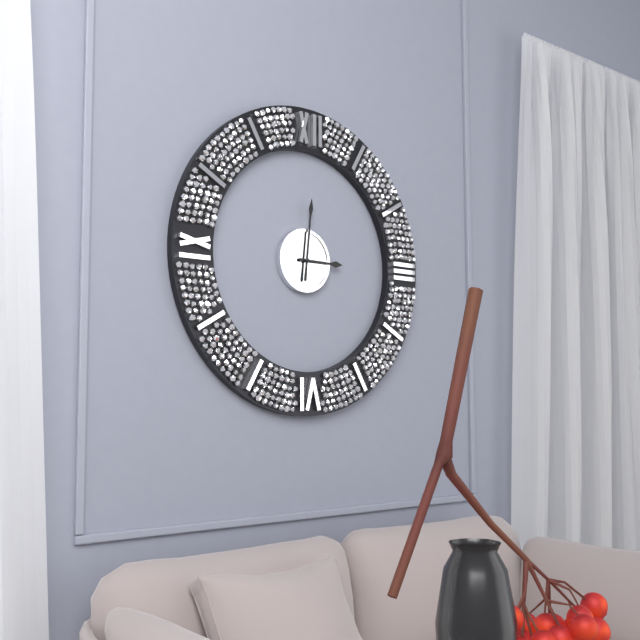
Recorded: h=3 m=1
